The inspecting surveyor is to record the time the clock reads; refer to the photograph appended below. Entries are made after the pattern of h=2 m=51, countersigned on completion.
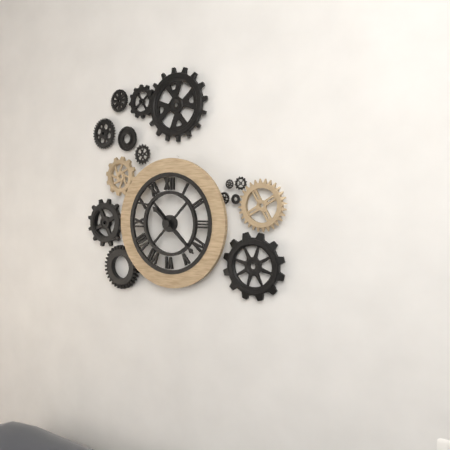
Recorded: h=10 m=22
